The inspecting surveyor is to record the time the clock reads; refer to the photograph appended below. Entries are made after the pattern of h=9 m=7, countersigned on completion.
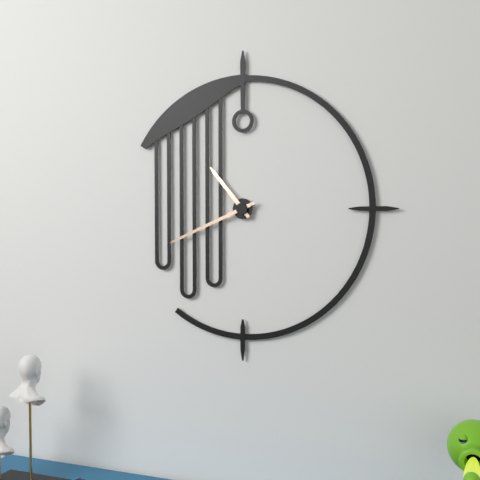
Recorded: h=10 m=41
